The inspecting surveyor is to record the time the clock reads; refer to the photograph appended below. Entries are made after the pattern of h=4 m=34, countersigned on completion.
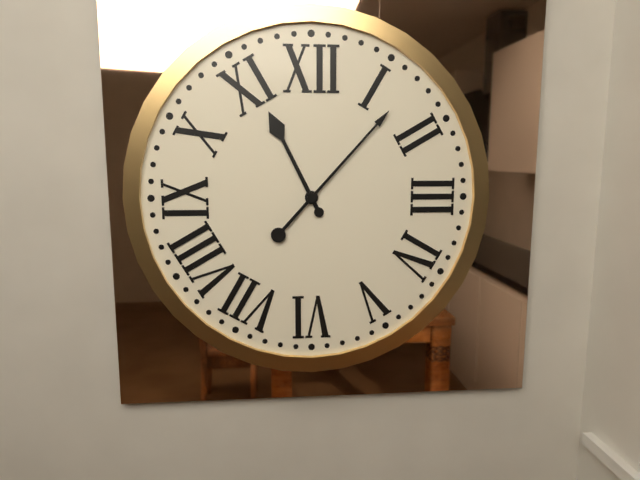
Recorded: h=11 m=7
